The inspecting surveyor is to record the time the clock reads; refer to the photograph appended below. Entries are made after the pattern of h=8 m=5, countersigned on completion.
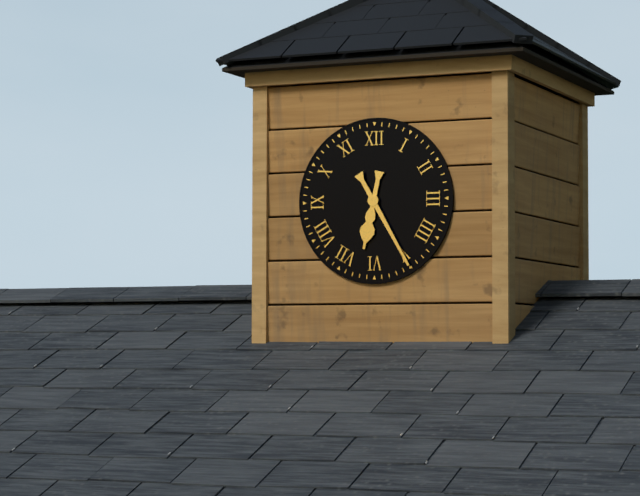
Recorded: h=6 m=25
